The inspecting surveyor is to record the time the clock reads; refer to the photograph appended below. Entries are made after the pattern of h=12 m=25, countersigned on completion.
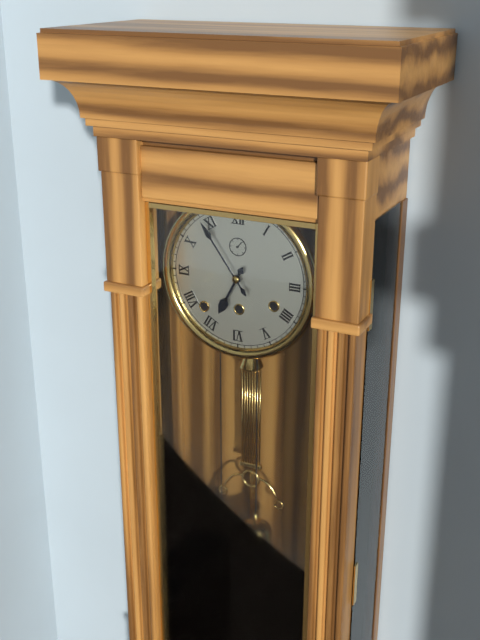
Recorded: h=6 m=54
